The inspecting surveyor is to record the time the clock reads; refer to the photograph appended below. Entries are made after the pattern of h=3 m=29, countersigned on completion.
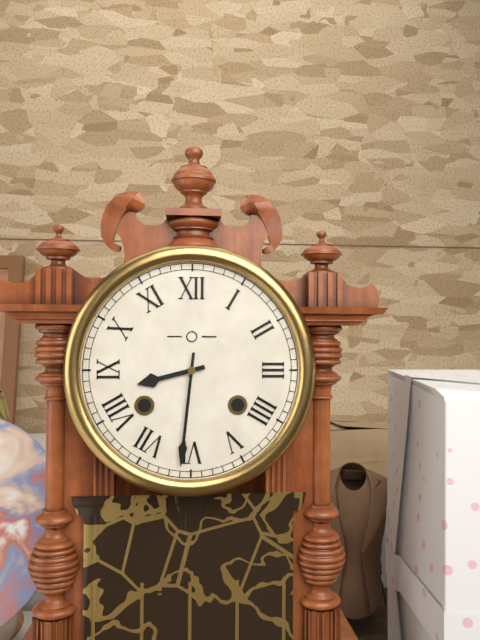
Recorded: h=8 m=31
